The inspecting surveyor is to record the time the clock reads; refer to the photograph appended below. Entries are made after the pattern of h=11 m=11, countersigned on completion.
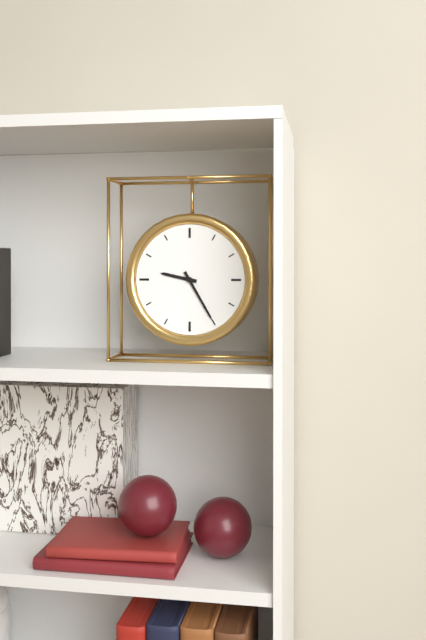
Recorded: h=9 m=25
